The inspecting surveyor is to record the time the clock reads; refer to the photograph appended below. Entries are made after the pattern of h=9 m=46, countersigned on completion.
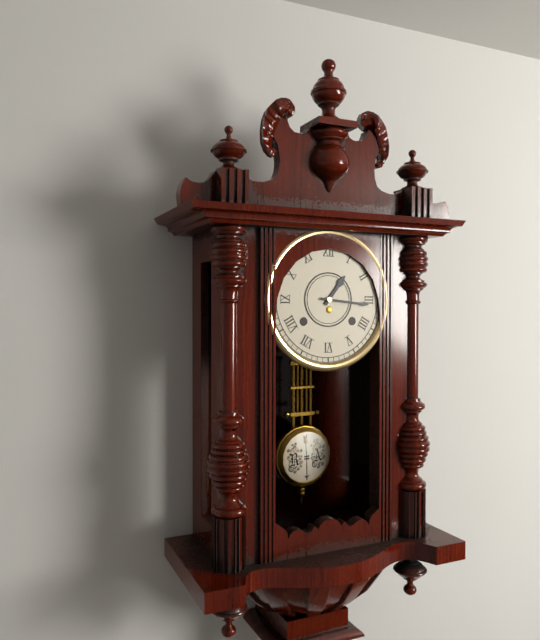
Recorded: h=1 m=16
